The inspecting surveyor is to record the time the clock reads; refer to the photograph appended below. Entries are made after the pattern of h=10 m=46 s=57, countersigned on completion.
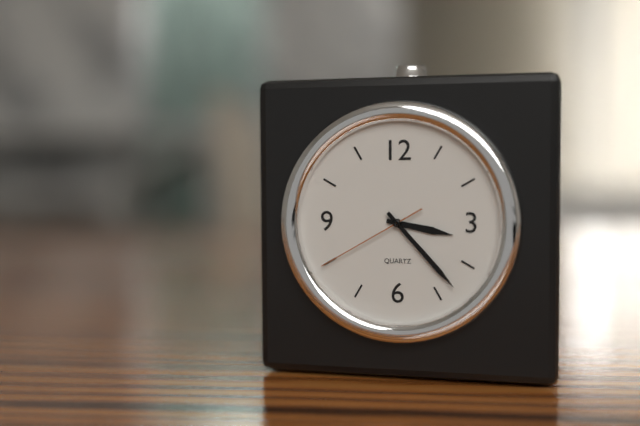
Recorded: h=3 m=23 s=40
